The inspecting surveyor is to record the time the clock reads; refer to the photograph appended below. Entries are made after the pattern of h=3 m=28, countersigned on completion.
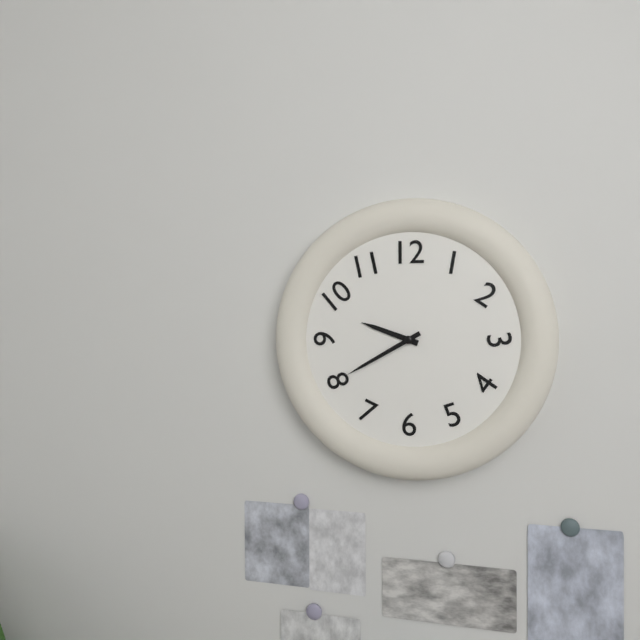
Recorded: h=9 m=40
